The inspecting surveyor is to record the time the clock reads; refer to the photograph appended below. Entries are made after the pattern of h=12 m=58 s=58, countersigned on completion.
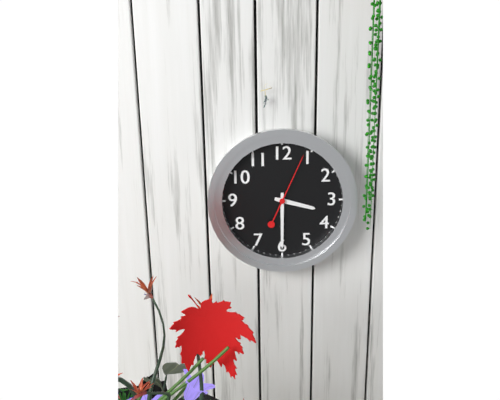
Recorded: h=3 m=30 s=4
